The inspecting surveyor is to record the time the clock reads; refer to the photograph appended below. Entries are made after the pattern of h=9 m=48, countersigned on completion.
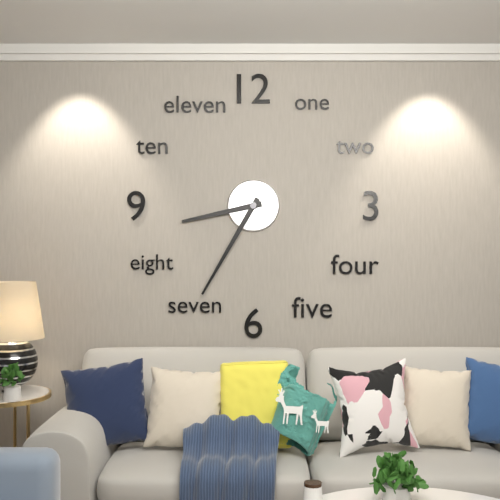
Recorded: h=8 m=35
